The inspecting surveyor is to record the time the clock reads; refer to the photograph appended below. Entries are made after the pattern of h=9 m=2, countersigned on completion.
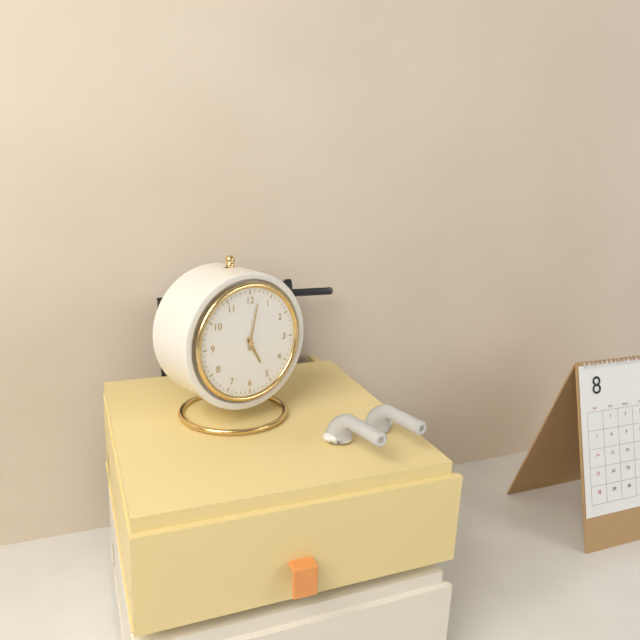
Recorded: h=5 m=2
